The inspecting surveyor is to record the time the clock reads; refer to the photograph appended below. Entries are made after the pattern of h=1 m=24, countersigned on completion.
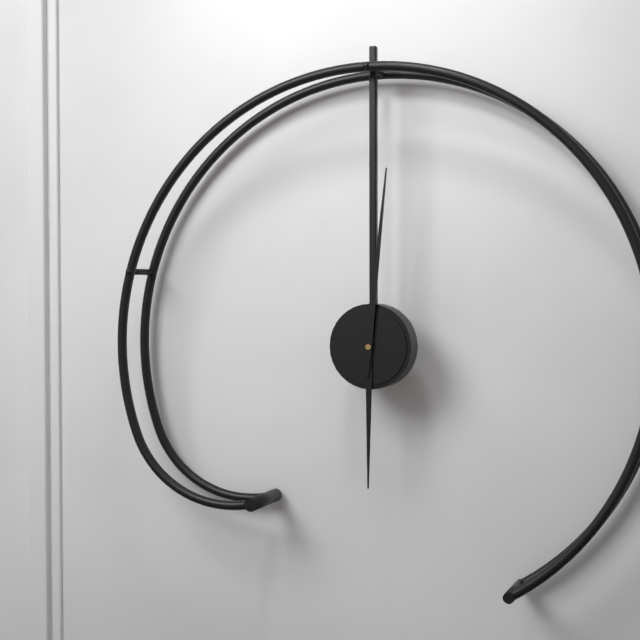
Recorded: h=6 m=1
